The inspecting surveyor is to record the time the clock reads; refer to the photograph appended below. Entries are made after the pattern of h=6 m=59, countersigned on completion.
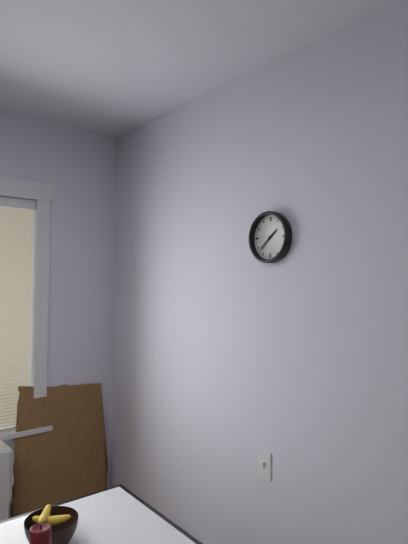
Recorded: h=1 m=38
